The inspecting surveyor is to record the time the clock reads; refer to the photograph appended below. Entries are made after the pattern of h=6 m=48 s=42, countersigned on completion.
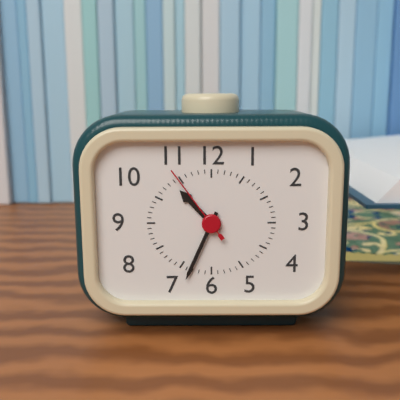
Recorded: h=10 m=34 s=54
